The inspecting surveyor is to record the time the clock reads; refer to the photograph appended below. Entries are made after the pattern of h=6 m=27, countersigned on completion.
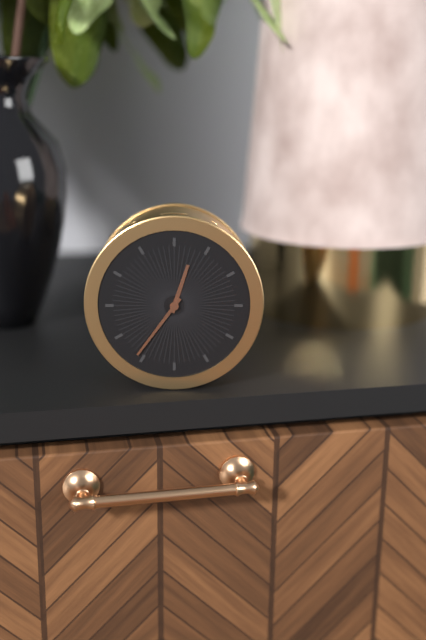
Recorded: h=12 m=36
